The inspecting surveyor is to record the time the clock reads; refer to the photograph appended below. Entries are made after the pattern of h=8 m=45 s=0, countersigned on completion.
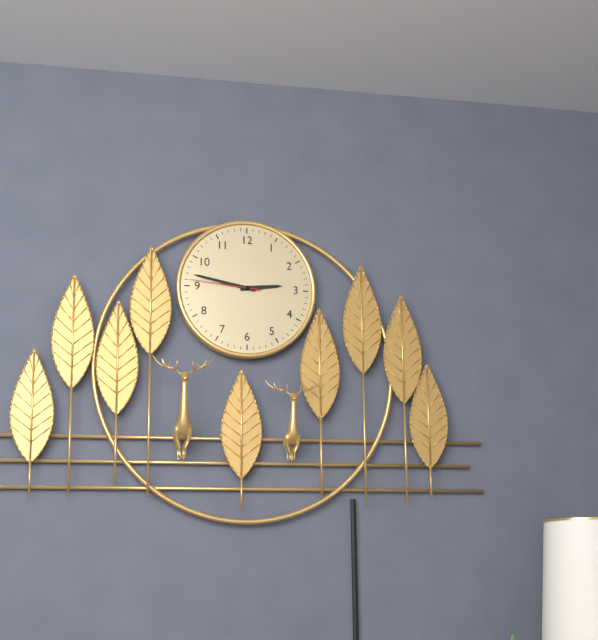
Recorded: h=2 m=47 s=46
